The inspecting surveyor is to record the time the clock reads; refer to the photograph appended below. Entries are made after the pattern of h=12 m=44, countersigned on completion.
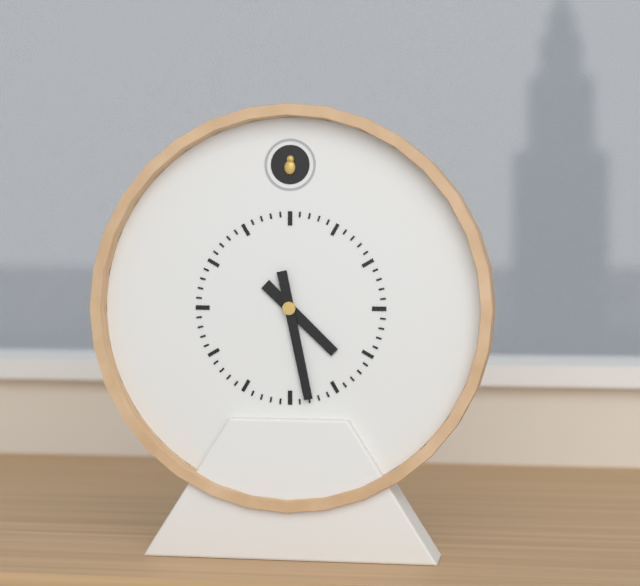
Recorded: h=4 m=28
